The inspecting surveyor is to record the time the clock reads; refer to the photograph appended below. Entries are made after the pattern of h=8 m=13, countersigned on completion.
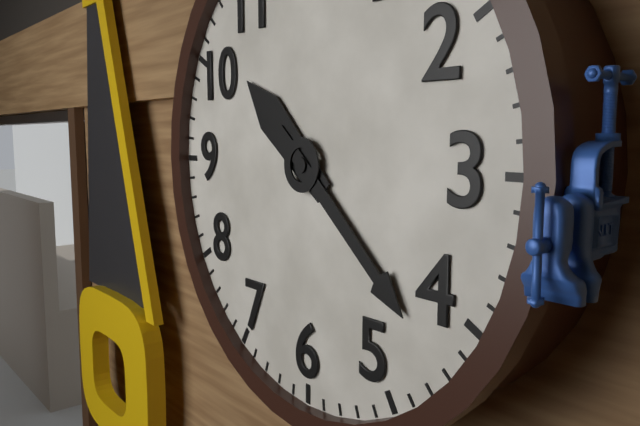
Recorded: h=10 m=22
